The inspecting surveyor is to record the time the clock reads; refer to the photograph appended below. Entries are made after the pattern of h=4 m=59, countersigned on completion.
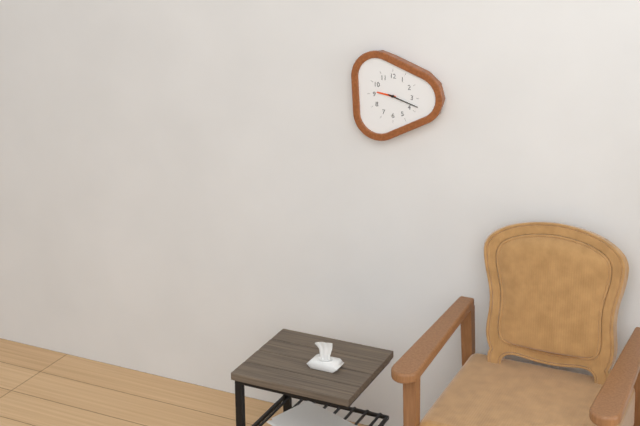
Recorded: h=9 m=18
